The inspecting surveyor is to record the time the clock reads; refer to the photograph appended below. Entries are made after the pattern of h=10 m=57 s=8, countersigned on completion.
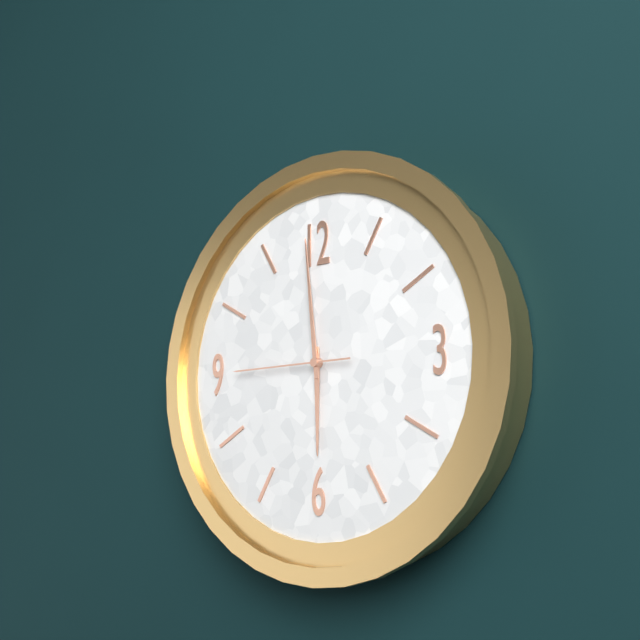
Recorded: h=5 m=59 s=45
